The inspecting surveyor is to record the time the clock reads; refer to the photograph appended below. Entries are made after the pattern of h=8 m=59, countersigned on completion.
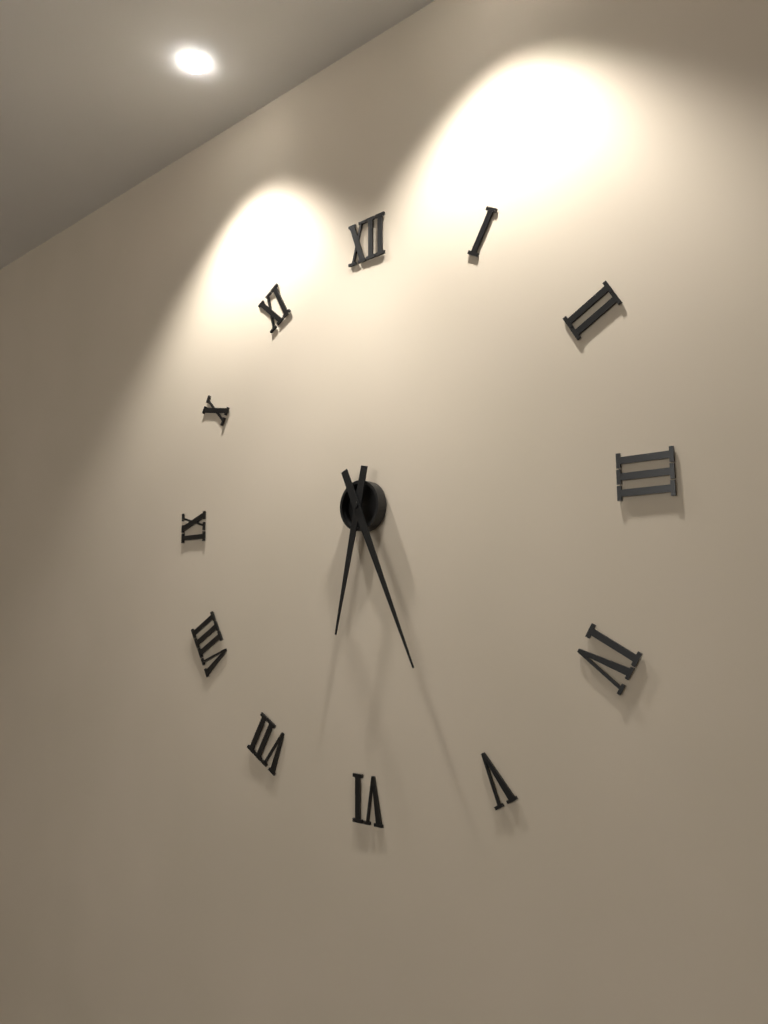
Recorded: h=6 m=26
